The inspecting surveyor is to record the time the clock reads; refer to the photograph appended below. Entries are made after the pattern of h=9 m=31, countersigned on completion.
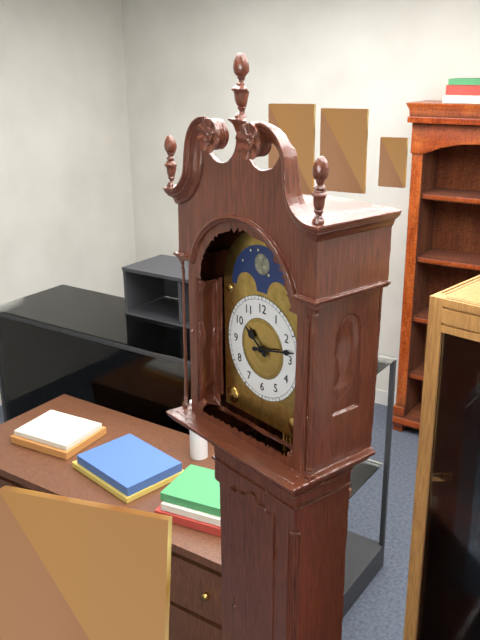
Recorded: h=10 m=13
